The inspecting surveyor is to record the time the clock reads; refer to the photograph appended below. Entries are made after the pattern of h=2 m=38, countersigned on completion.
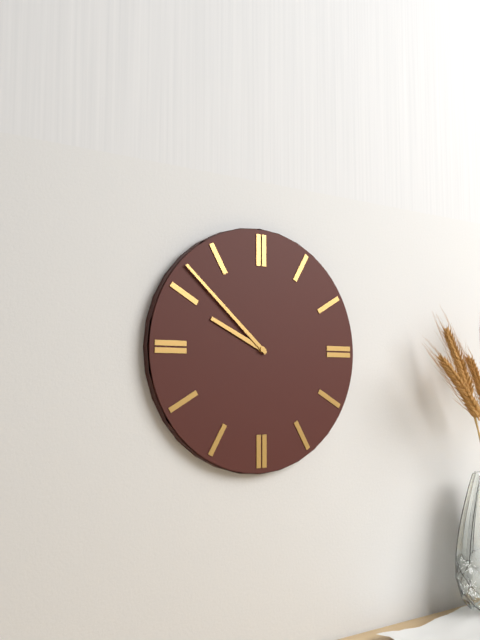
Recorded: h=9 m=52
